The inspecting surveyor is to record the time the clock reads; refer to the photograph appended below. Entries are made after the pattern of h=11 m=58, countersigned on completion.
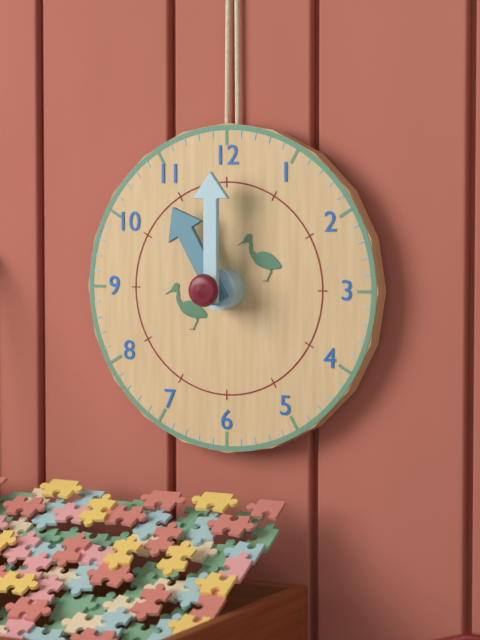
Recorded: h=11 m=0
